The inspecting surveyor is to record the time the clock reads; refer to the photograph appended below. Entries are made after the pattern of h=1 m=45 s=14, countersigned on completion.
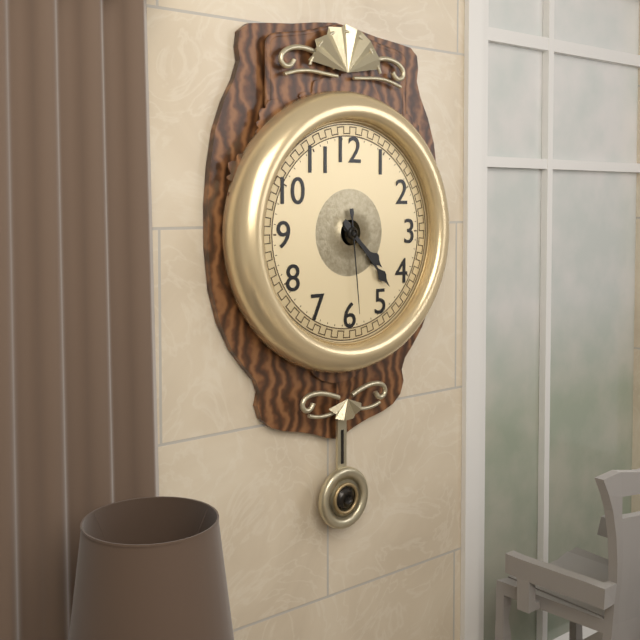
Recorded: h=4 m=23 s=29
